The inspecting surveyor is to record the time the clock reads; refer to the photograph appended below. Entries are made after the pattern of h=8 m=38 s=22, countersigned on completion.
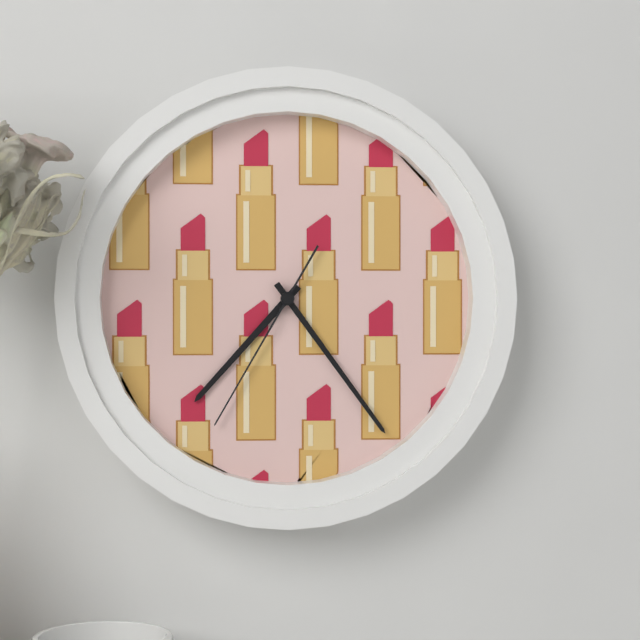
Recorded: h=7 m=24 s=35
